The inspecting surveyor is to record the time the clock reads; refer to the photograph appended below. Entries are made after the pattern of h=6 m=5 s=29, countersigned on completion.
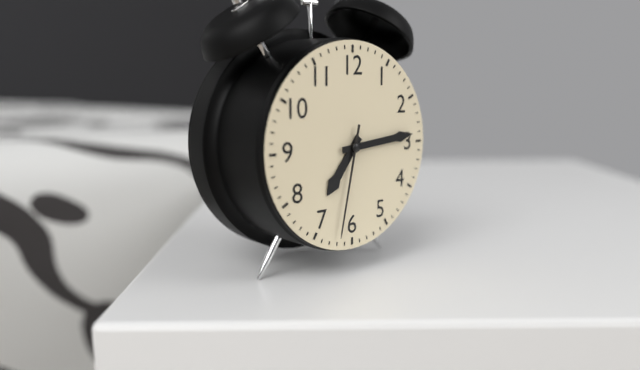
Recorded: h=7 m=14 s=32
